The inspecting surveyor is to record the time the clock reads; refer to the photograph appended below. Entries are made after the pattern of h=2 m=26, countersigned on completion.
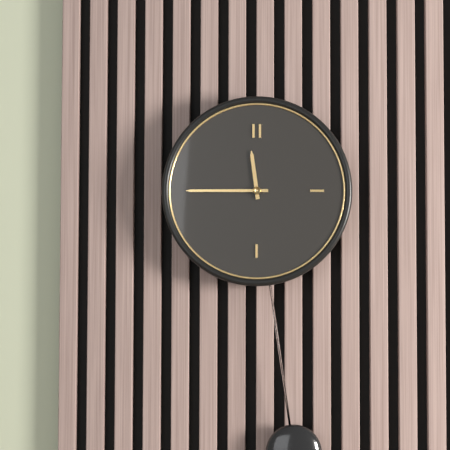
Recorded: h=11 m=45
